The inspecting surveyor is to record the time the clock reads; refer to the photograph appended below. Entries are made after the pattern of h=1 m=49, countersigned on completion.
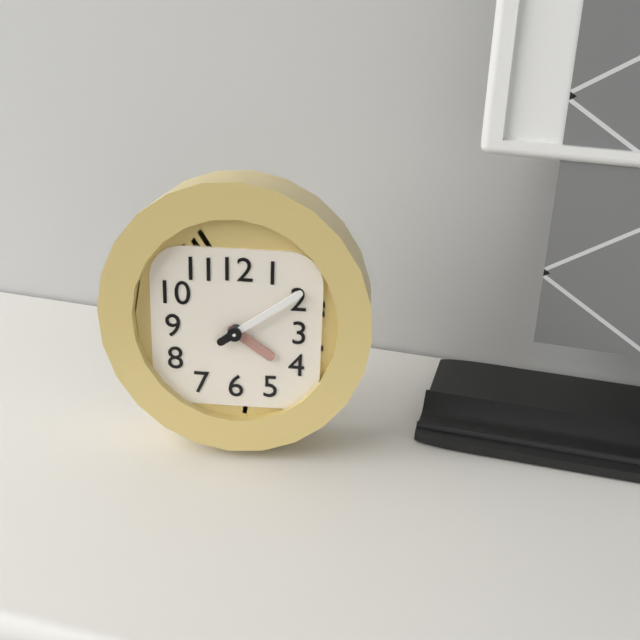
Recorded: h=4 m=9
